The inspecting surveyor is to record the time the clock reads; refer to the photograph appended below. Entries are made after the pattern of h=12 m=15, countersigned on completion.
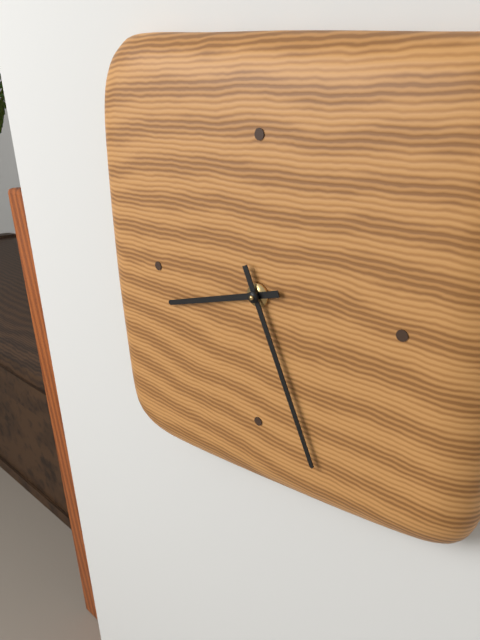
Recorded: h=8 m=26
